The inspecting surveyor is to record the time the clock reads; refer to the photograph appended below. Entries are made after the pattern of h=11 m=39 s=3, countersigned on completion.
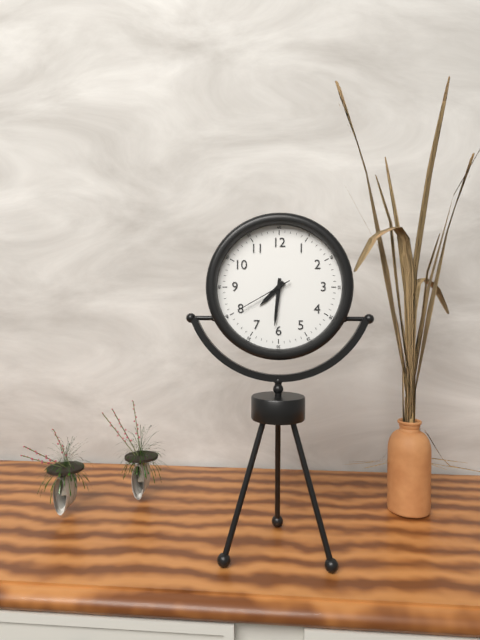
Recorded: h=7 m=31 s=40
